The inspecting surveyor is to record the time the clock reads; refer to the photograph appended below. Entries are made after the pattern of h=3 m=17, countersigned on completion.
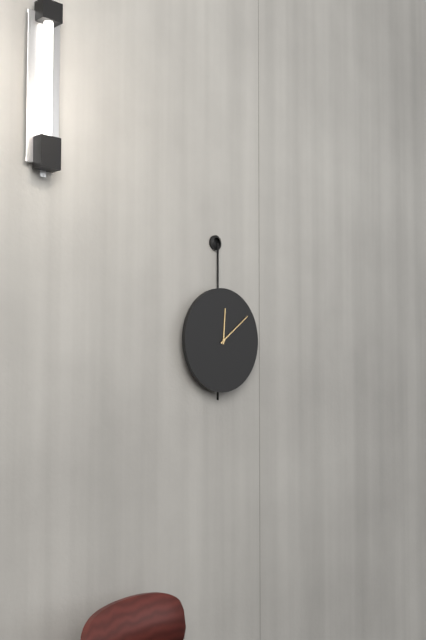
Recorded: h=12 m=9
